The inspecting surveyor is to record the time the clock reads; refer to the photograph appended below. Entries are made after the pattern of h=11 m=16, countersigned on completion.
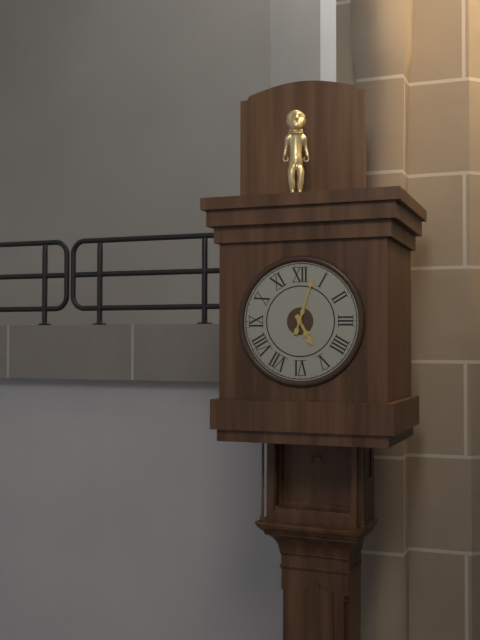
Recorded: h=5 m=3
